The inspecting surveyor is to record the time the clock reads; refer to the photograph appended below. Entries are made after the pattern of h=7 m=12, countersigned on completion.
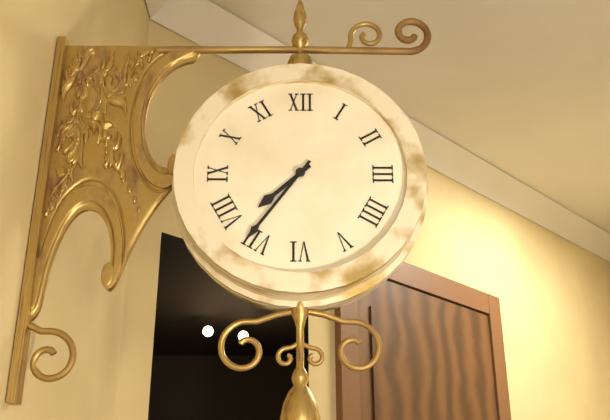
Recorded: h=7 m=36
